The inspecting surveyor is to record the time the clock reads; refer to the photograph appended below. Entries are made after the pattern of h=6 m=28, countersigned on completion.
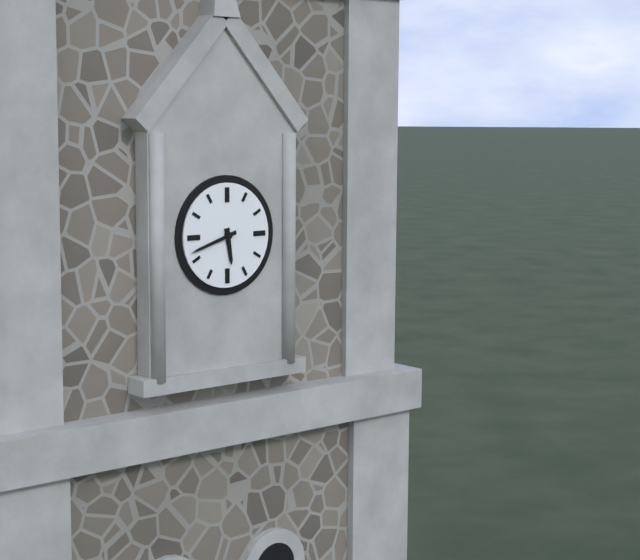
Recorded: h=5 m=42
